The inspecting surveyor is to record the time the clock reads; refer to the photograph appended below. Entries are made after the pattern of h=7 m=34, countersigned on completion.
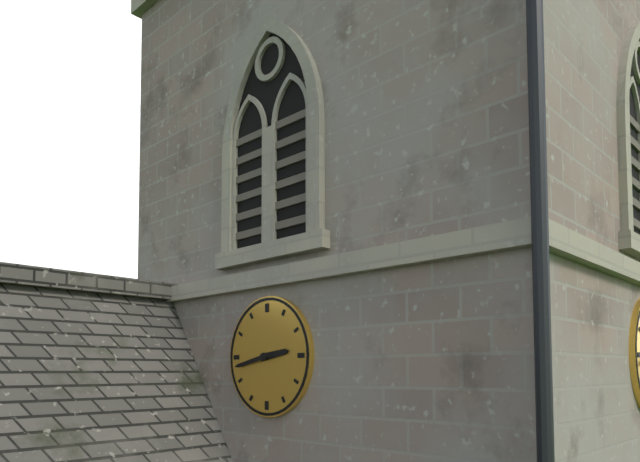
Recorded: h=2 m=43
